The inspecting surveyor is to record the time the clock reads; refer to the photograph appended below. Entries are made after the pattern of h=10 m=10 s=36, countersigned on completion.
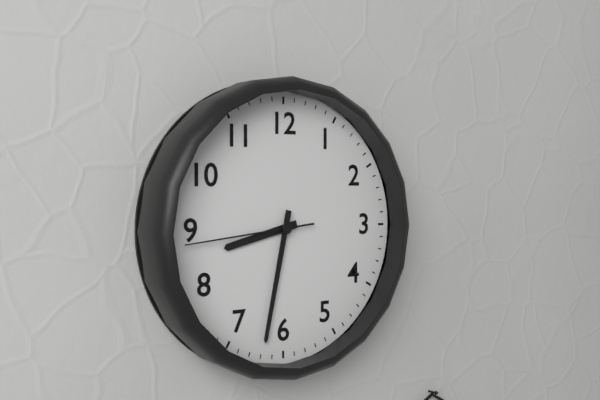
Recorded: h=8 m=32 s=44
